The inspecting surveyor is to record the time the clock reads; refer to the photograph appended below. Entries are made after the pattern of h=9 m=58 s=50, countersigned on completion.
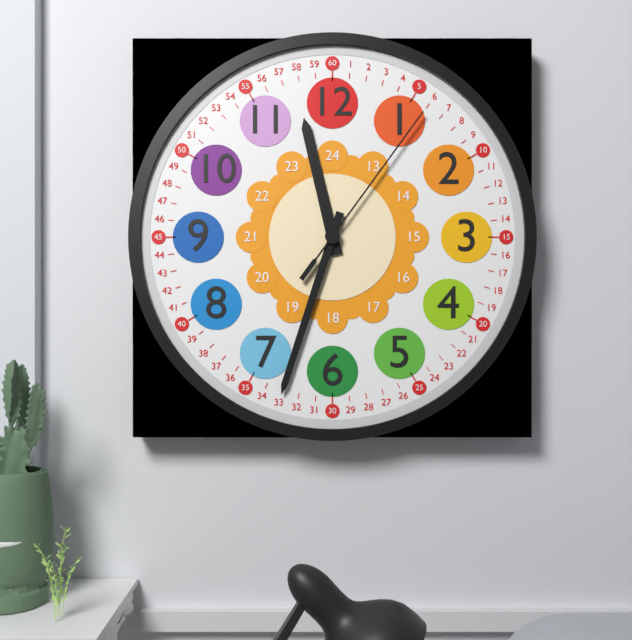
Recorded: h=11 m=33 s=6
